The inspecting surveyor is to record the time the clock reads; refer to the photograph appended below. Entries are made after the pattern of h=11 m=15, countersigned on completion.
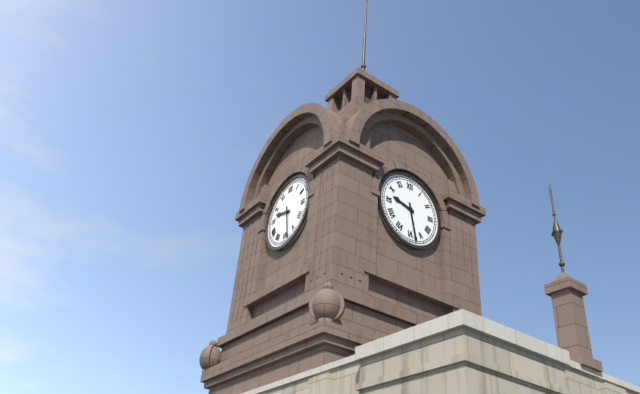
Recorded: h=9 m=28
